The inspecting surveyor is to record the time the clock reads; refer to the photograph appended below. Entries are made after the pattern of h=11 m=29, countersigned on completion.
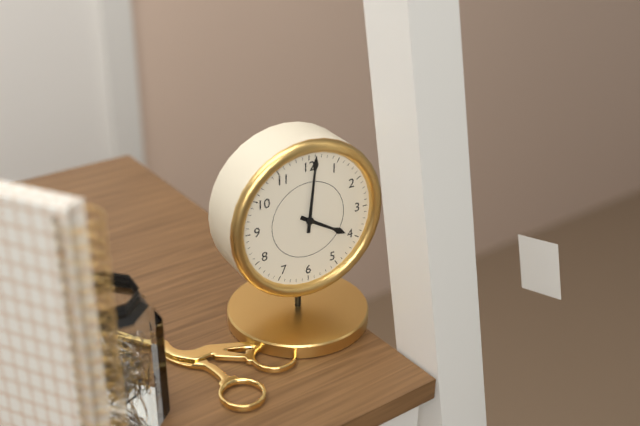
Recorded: h=4 m=1
